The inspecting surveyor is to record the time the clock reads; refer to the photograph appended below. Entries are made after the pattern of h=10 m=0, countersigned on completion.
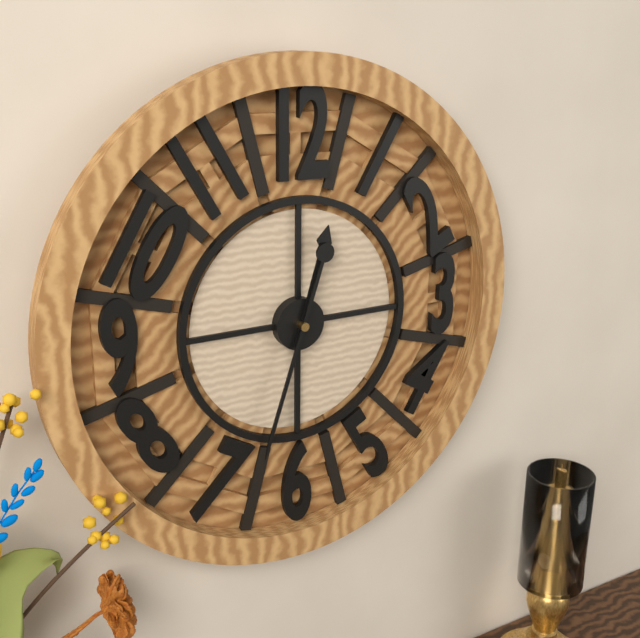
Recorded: h=12 m=33
